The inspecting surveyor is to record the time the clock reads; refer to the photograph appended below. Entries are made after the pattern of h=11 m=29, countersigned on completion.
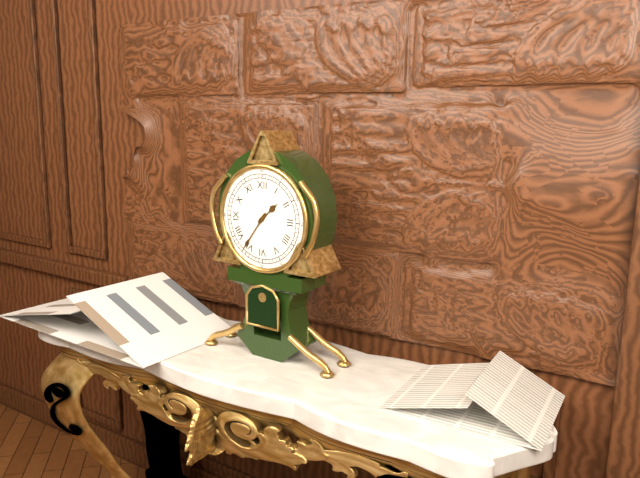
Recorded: h=1 m=36
